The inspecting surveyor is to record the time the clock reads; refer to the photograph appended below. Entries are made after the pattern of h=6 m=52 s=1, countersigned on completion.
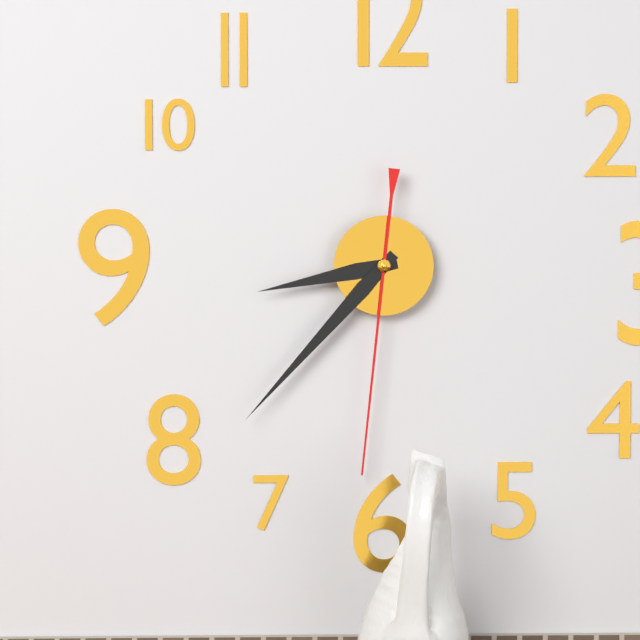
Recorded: h=8 m=37 s=31
